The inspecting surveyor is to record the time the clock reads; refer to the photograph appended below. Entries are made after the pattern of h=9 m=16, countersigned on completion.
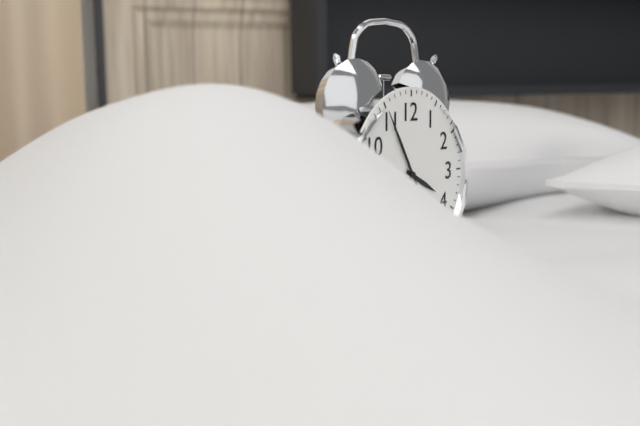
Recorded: h=3 m=55
